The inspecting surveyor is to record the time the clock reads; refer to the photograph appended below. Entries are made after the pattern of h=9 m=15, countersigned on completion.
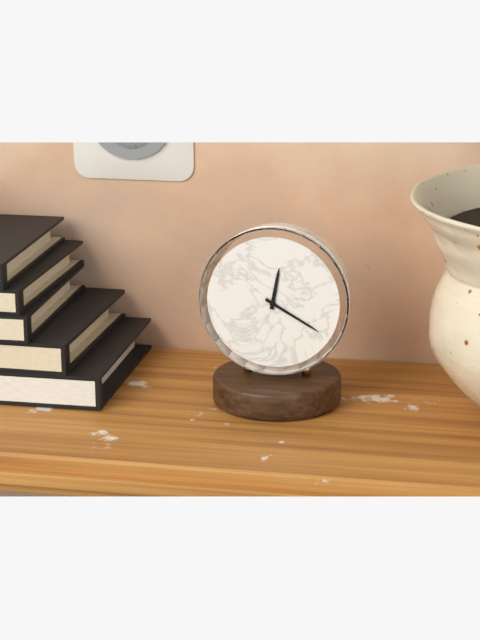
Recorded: h=12 m=20
